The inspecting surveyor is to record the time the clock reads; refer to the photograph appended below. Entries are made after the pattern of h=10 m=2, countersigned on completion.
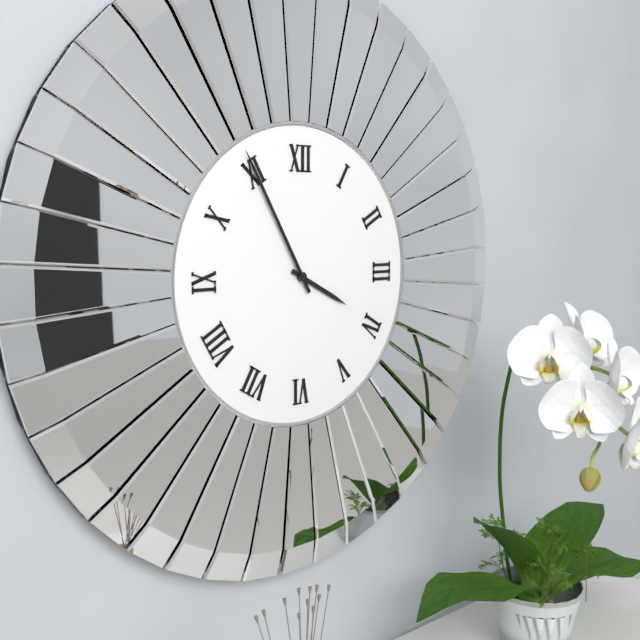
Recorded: h=3 m=55
